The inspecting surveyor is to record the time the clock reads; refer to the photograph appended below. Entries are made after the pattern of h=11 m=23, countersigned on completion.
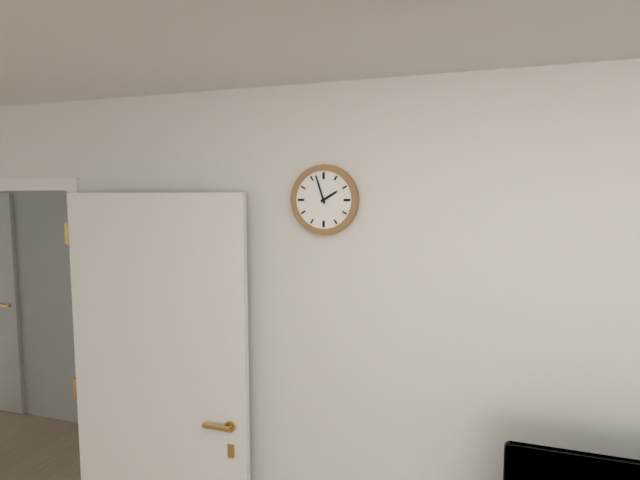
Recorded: h=1 m=57
